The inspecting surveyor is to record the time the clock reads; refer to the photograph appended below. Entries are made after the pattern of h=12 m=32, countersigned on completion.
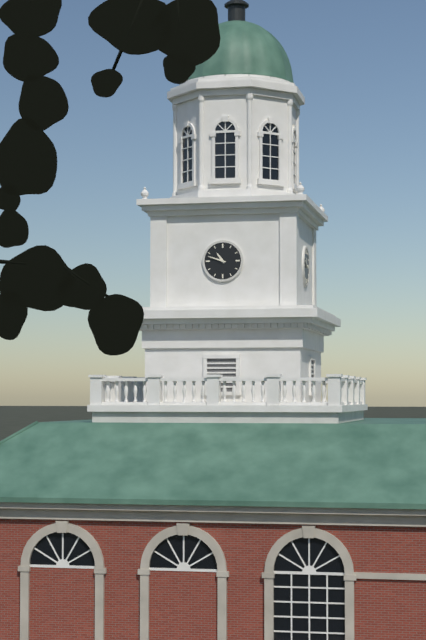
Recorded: h=10 m=48
